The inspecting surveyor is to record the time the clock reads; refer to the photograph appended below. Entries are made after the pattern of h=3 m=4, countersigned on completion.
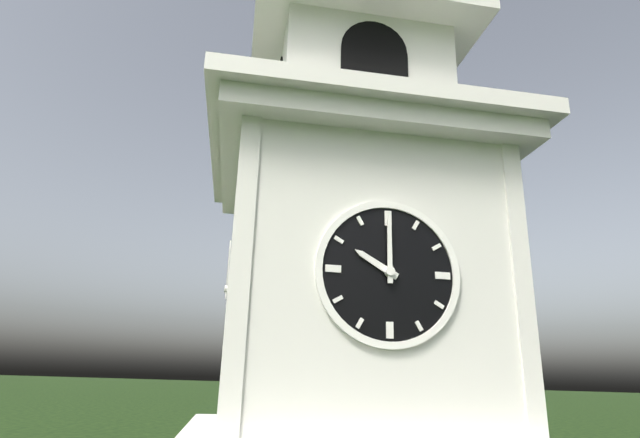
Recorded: h=10 m=0
